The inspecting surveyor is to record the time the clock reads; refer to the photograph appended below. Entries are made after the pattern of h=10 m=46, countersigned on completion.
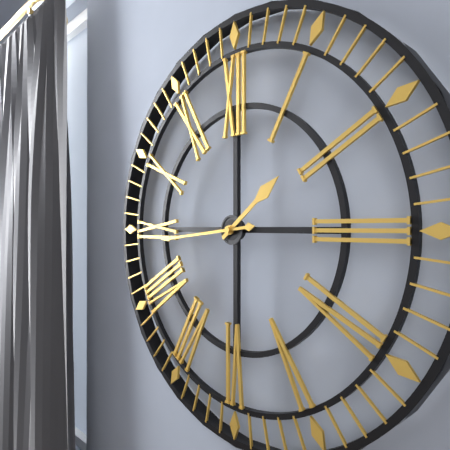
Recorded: h=1 m=44
